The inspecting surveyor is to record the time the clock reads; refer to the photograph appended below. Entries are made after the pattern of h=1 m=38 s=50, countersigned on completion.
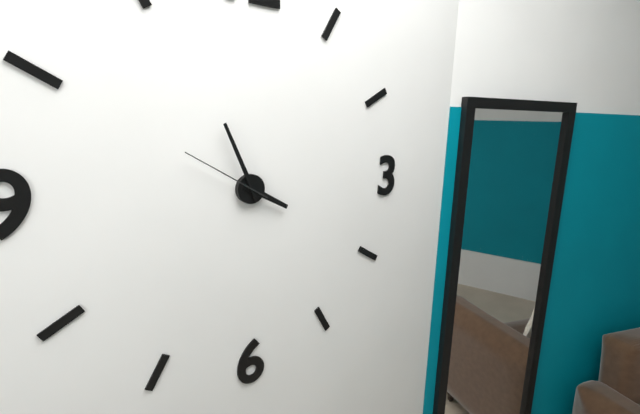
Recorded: h=3 m=56 s=50
